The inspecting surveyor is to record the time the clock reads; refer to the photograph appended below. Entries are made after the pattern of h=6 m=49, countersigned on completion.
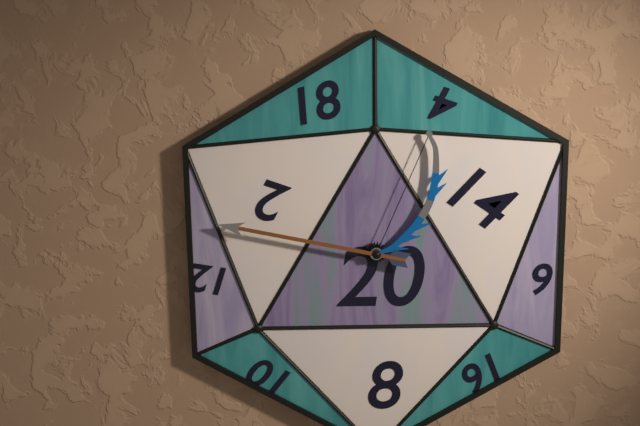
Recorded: h=12 m=47
